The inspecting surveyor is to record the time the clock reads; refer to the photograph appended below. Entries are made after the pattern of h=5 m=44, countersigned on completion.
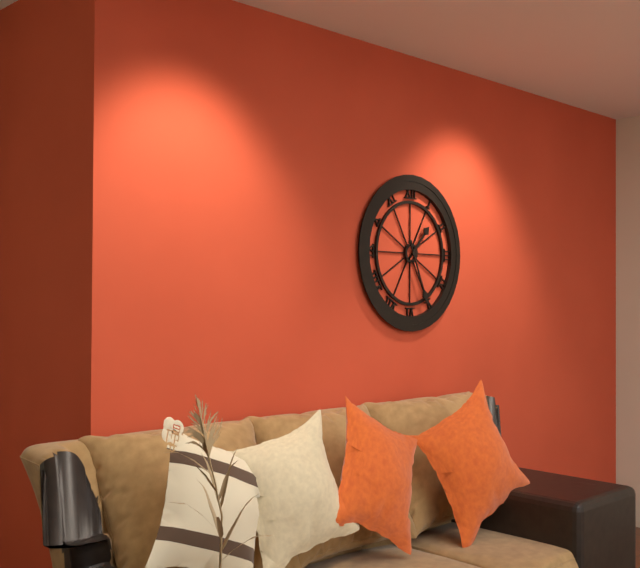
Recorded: h=1 m=26
